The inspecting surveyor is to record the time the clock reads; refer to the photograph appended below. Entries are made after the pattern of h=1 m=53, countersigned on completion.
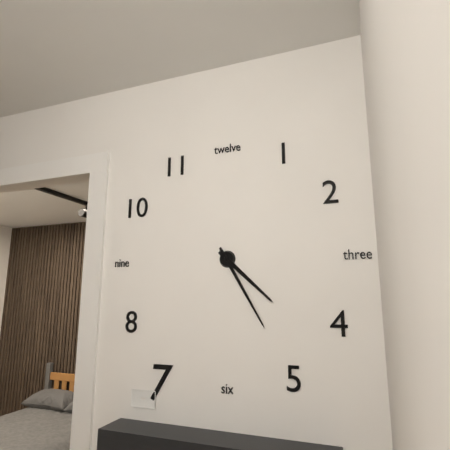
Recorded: h=4 m=25
